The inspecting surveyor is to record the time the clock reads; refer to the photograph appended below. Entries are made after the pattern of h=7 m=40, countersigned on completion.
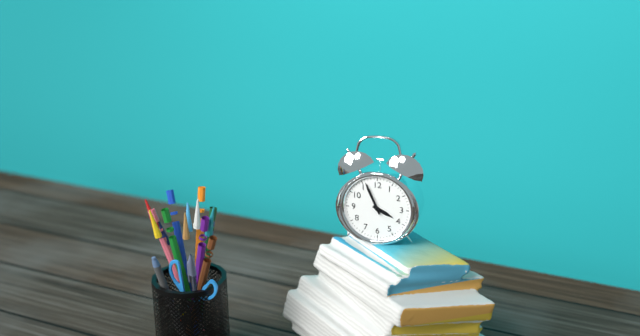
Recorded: h=3 m=56
